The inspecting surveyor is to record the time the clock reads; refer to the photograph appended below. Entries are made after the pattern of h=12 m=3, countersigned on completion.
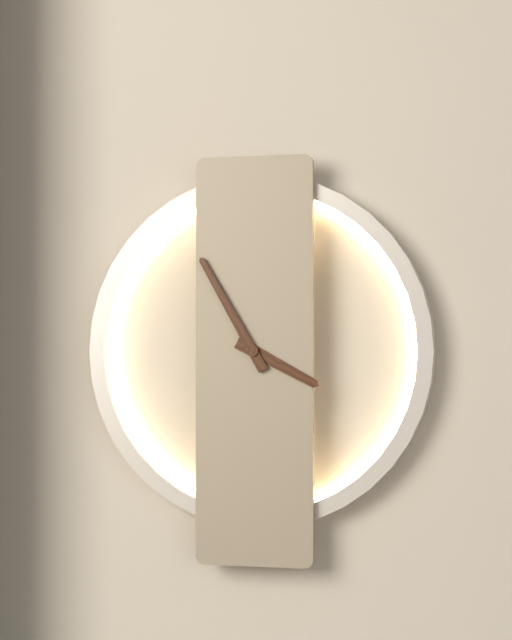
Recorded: h=3 m=55
